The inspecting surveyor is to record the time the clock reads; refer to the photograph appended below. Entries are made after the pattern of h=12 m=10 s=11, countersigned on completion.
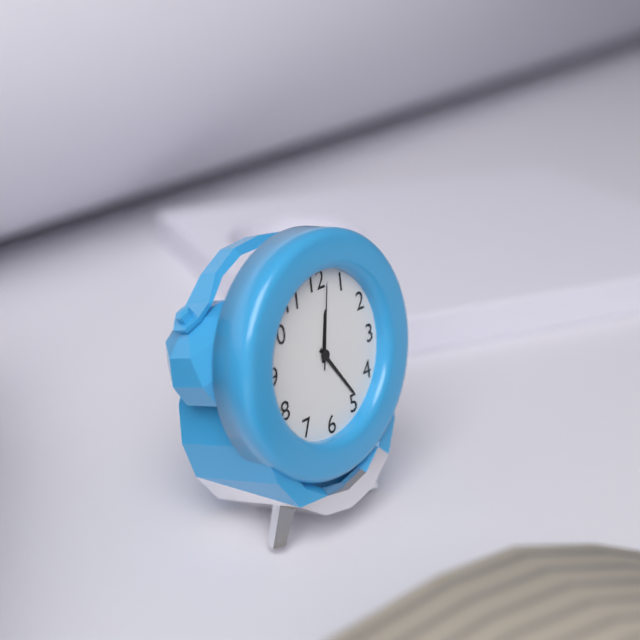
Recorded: h=12 m=24 s=2
